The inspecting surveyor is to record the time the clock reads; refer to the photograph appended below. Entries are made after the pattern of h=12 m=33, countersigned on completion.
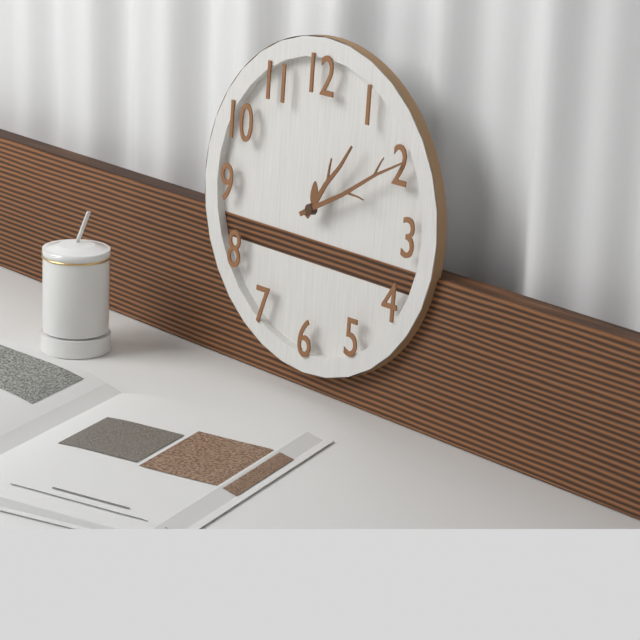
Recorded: h=1 m=10
